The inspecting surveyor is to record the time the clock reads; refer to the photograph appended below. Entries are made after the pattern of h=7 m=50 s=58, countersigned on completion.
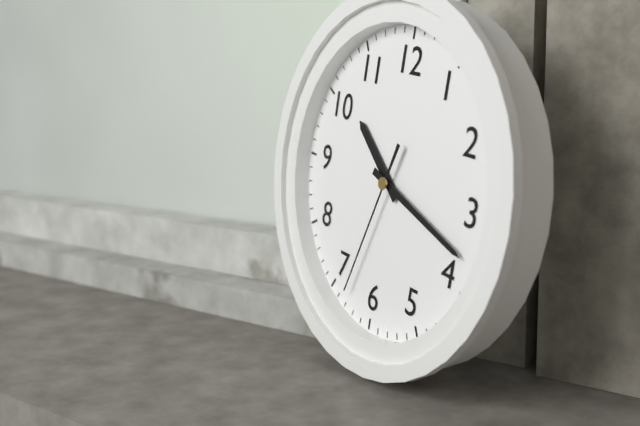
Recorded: h=10 m=18 s=33
